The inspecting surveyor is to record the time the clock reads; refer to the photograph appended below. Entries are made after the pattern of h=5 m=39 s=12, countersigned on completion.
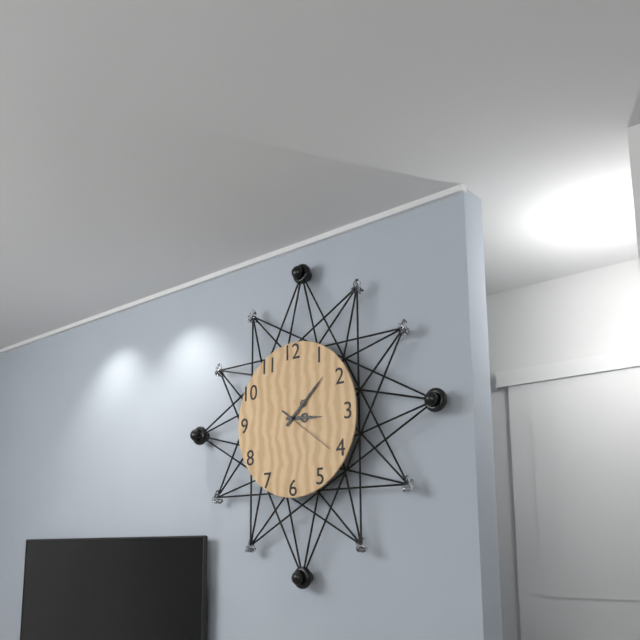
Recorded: h=3 m=8 s=21
